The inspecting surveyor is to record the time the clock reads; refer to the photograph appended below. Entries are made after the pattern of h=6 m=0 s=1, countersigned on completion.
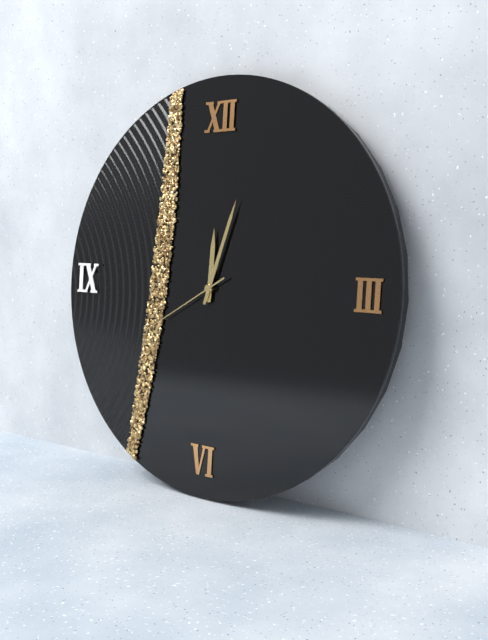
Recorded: h=12 m=3 s=40
